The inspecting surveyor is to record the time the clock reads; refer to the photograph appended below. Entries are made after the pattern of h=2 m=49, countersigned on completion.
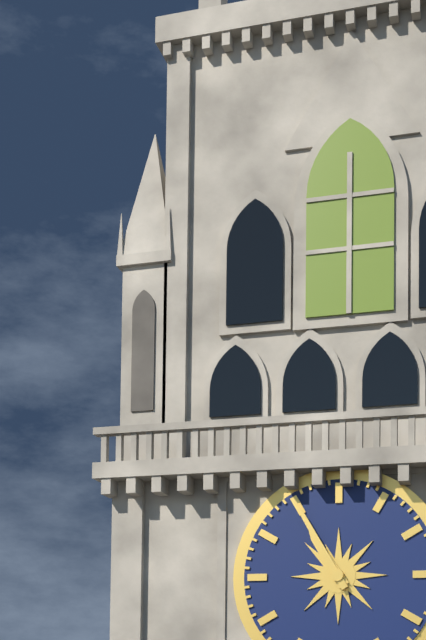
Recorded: h=10 m=55
